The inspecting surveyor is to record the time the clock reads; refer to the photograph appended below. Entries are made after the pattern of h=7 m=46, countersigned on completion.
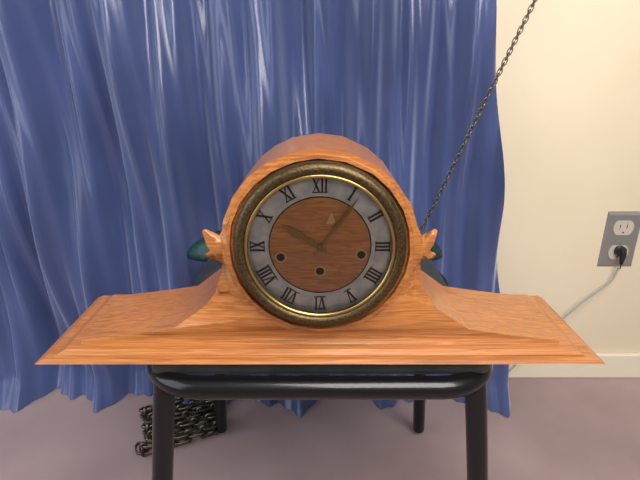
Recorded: h=10 m=6
